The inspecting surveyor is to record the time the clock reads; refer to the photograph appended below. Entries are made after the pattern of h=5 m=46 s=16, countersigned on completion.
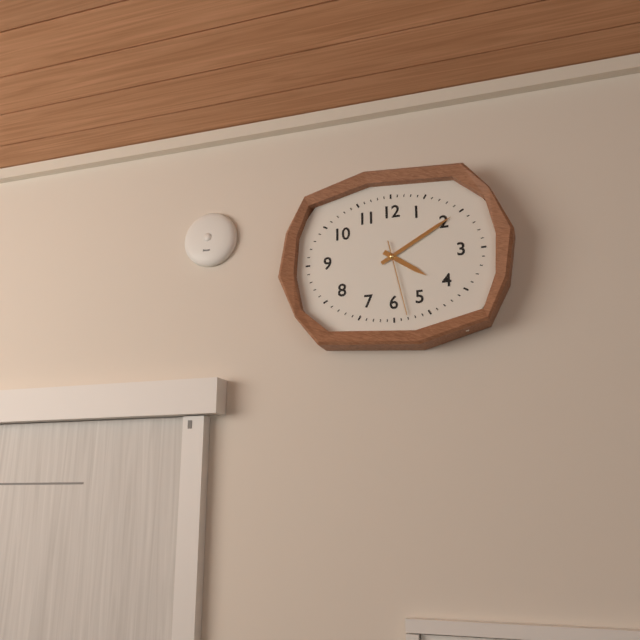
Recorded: h=4 m=10 s=28
